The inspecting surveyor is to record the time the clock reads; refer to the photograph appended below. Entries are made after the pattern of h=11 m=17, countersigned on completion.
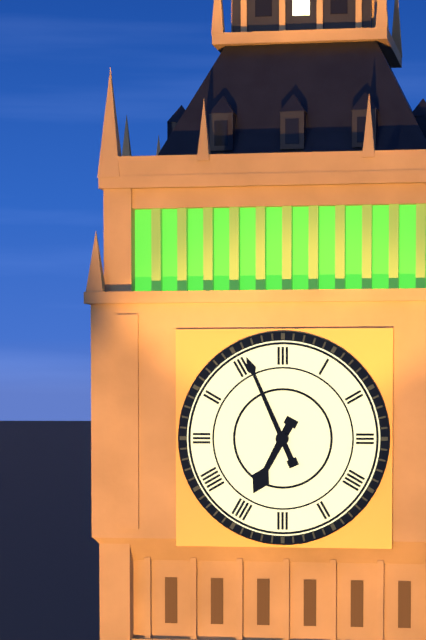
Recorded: h=6 m=56
